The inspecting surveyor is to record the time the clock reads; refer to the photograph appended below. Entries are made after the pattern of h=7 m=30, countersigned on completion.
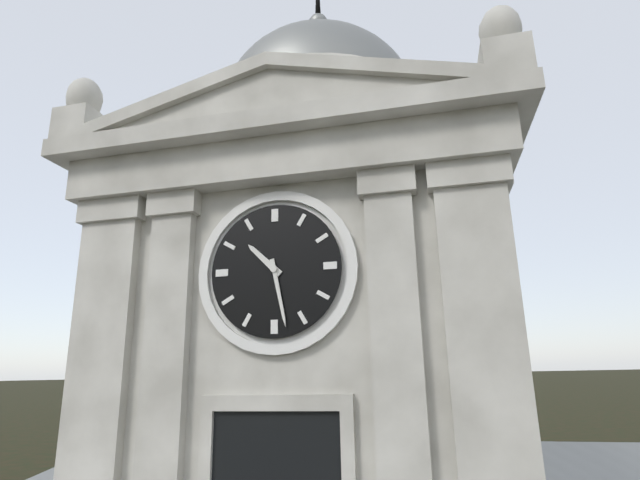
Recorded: h=10 m=28
